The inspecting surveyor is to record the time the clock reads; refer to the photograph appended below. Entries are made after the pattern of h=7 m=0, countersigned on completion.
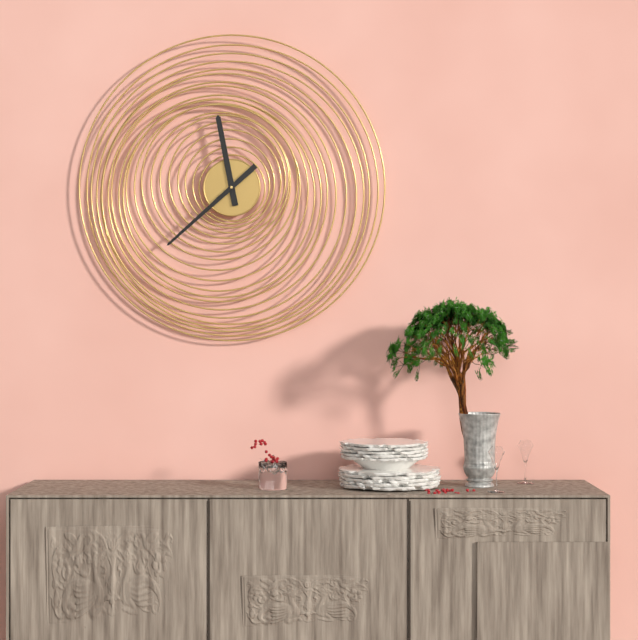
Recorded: h=11 m=38
